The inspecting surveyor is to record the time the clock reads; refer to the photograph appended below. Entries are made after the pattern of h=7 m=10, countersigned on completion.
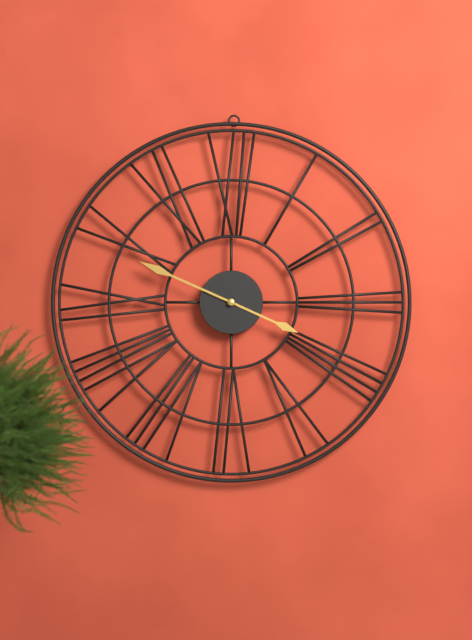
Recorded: h=3 m=49
